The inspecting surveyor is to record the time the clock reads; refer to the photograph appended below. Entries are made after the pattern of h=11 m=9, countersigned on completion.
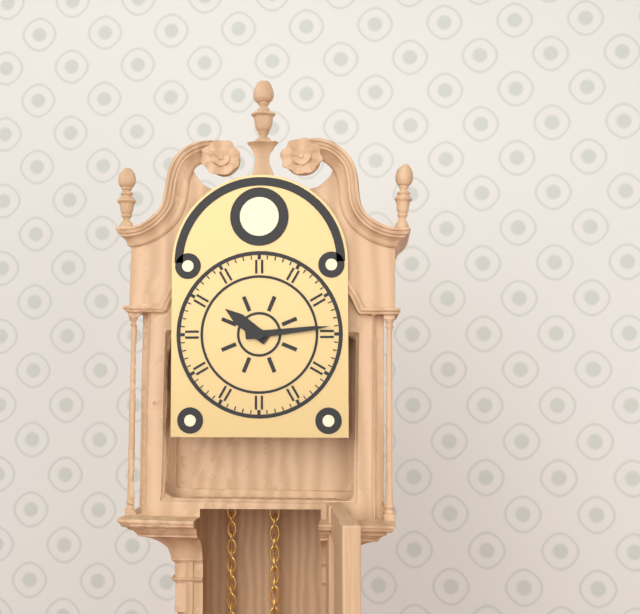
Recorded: h=10 m=14
